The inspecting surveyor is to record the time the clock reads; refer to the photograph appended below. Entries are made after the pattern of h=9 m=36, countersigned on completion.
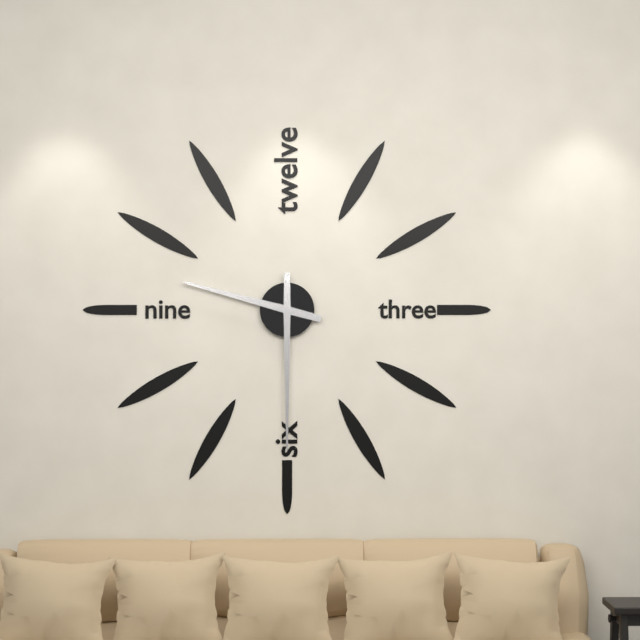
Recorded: h=9 m=30
